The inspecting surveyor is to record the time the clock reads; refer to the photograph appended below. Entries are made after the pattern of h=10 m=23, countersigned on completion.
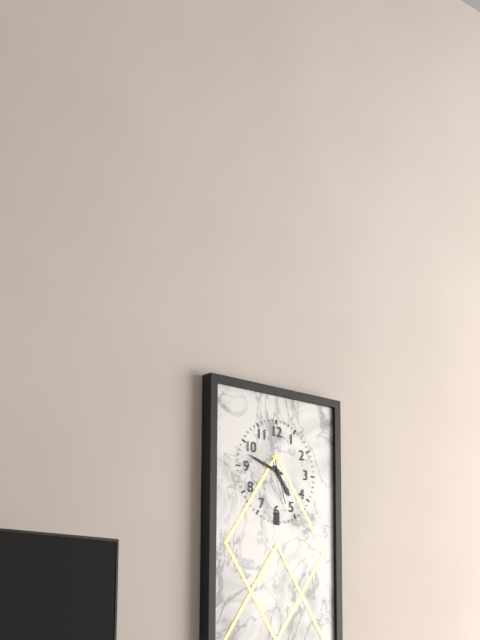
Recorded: h=4 m=48
